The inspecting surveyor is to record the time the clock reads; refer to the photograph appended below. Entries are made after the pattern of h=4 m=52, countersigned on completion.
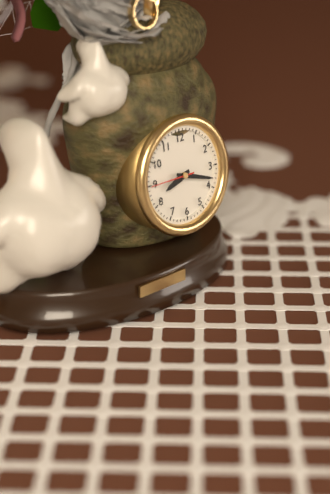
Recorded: h=8 m=18
